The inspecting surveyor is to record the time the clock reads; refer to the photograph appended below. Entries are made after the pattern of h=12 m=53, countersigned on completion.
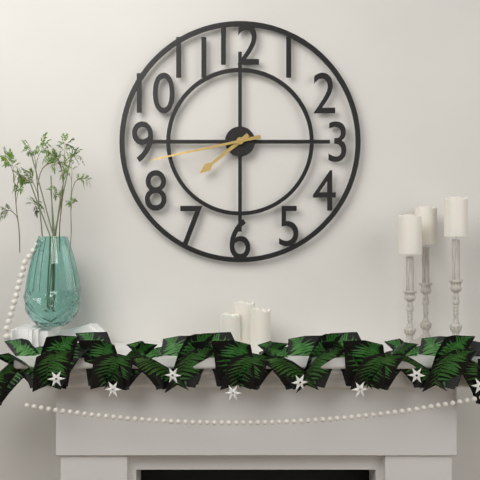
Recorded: h=7 m=43
